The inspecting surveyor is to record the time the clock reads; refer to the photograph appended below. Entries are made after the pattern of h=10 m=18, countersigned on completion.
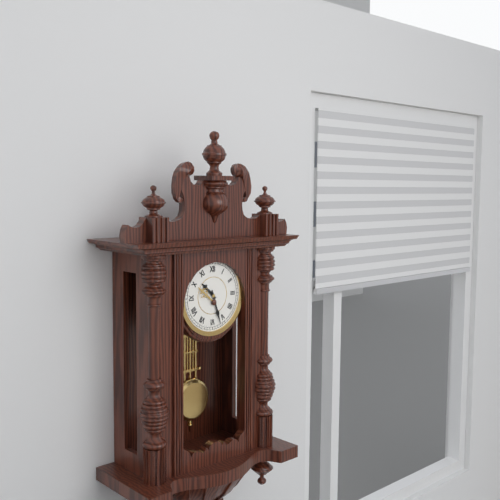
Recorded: h=10 m=27
